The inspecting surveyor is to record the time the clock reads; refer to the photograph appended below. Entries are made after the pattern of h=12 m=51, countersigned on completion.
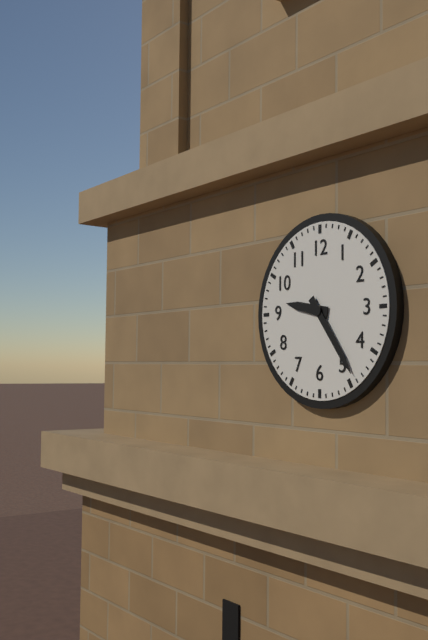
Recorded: h=9 m=24
